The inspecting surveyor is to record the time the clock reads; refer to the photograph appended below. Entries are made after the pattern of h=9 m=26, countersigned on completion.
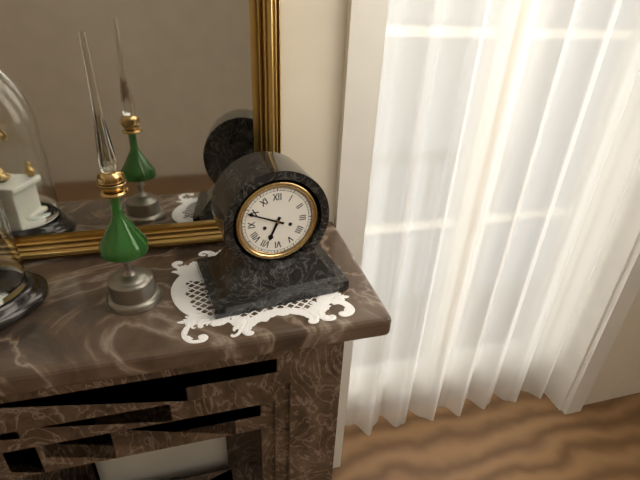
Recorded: h=6 m=49
